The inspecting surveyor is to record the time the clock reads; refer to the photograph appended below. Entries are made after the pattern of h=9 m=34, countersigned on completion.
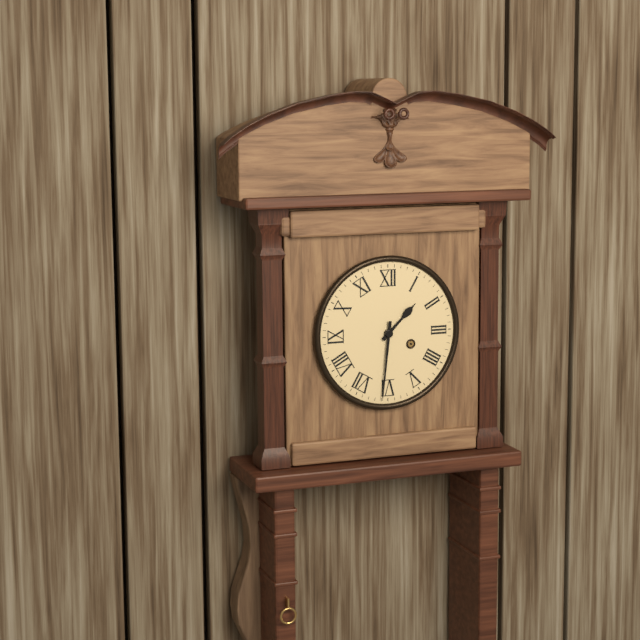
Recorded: h=1 m=31
